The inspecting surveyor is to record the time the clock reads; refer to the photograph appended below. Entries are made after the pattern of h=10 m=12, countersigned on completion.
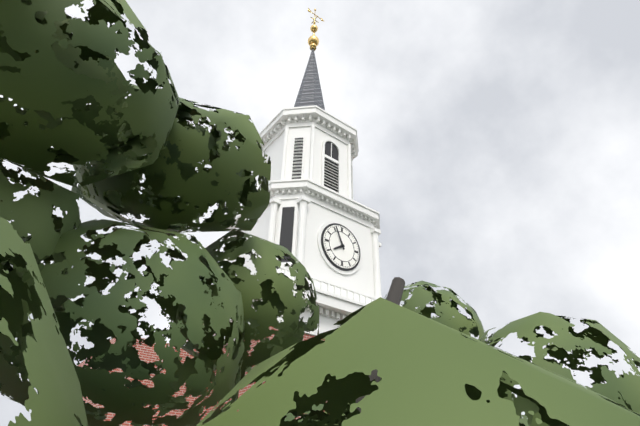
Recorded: h=7 m=56
